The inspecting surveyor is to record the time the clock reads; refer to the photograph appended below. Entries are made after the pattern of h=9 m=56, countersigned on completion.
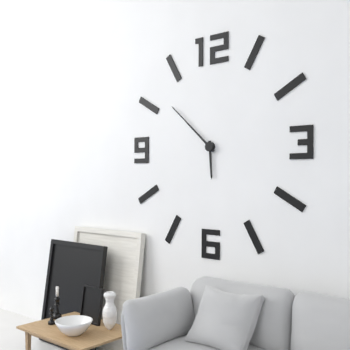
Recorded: h=5 m=52
